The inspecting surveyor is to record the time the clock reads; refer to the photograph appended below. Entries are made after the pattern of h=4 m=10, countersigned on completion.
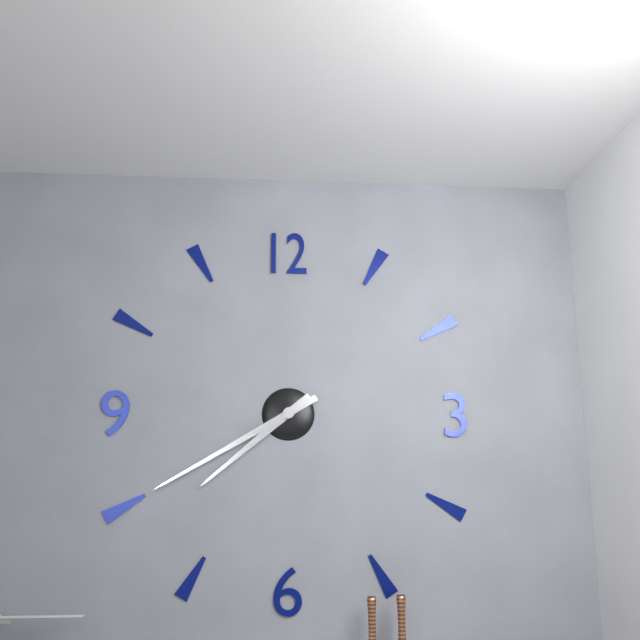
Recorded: h=7 m=40
